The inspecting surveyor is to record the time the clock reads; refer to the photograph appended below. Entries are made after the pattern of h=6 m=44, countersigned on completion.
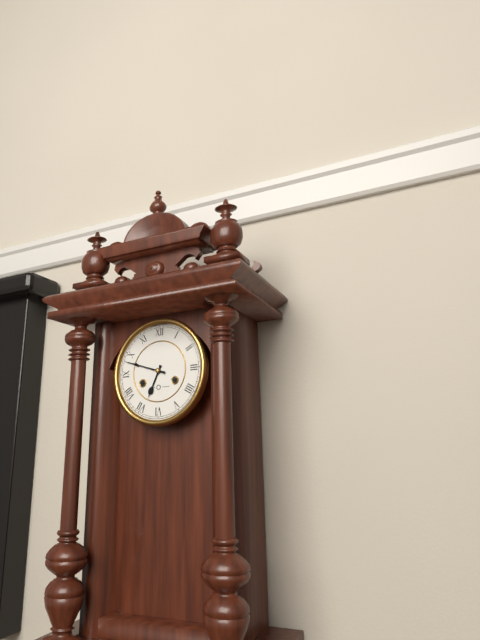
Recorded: h=6 m=48
